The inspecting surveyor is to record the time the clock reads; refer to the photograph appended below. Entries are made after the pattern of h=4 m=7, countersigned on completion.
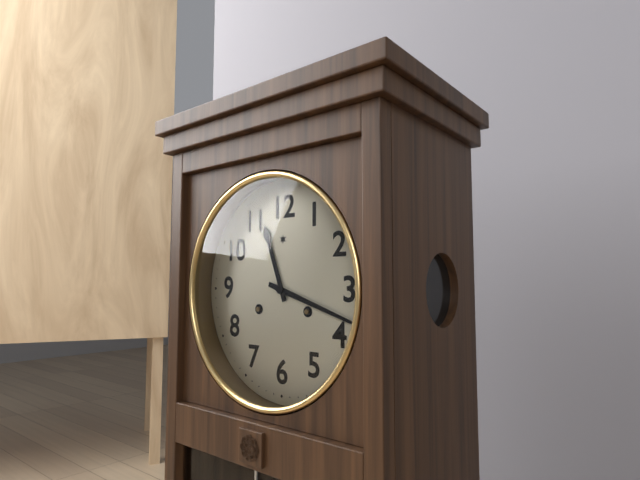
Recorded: h=11 m=18
